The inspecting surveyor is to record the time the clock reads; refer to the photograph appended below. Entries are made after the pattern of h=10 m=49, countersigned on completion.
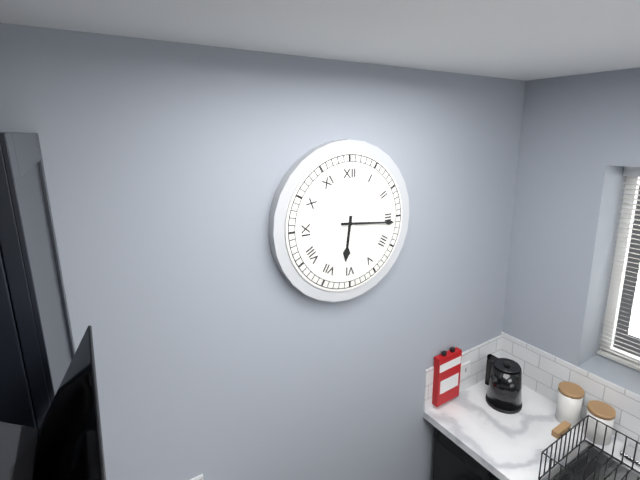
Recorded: h=6 m=16
